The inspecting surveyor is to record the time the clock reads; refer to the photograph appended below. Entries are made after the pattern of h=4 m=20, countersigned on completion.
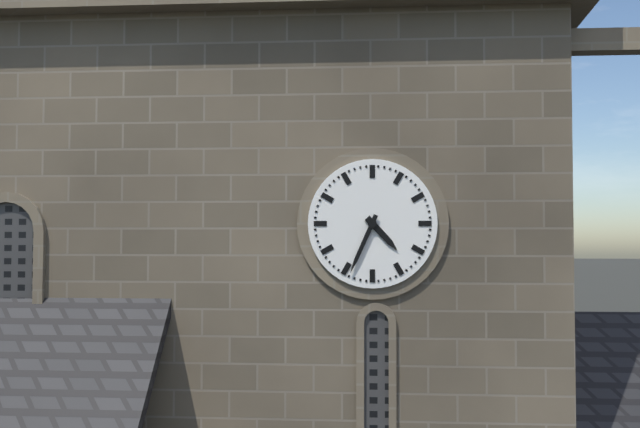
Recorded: h=4 m=34
